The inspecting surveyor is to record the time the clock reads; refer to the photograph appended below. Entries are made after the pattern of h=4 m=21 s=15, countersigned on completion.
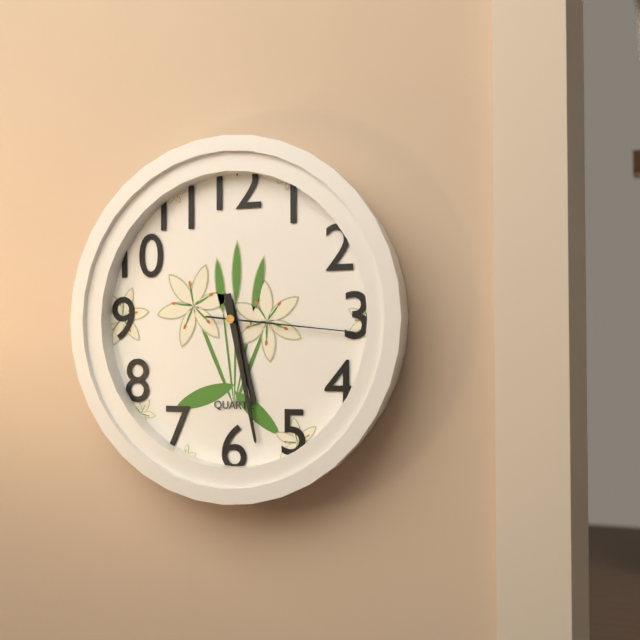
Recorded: h=5 m=28 s=16
